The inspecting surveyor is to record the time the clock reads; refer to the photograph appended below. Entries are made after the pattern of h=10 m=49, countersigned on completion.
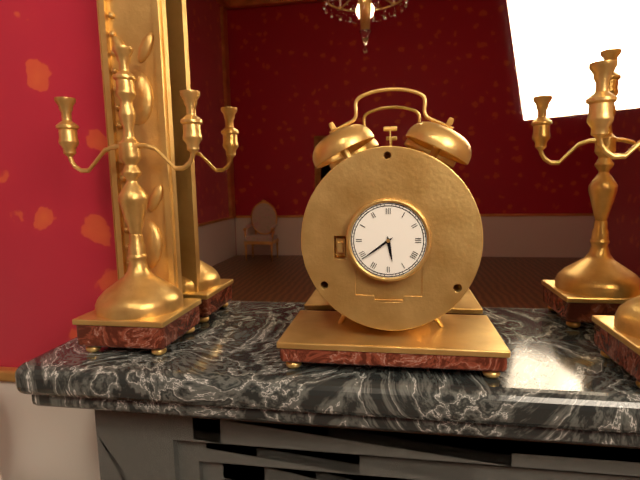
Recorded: h=5 m=39
